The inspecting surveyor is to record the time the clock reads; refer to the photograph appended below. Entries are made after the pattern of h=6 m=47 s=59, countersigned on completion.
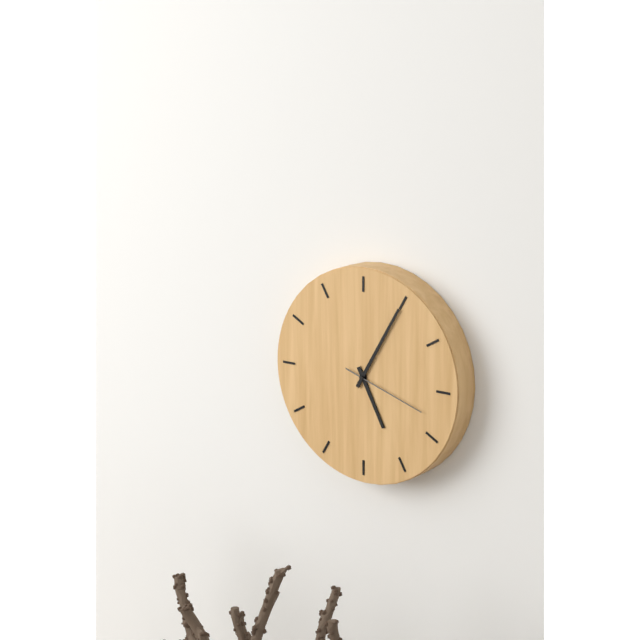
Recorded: h=5 m=5 s=18
